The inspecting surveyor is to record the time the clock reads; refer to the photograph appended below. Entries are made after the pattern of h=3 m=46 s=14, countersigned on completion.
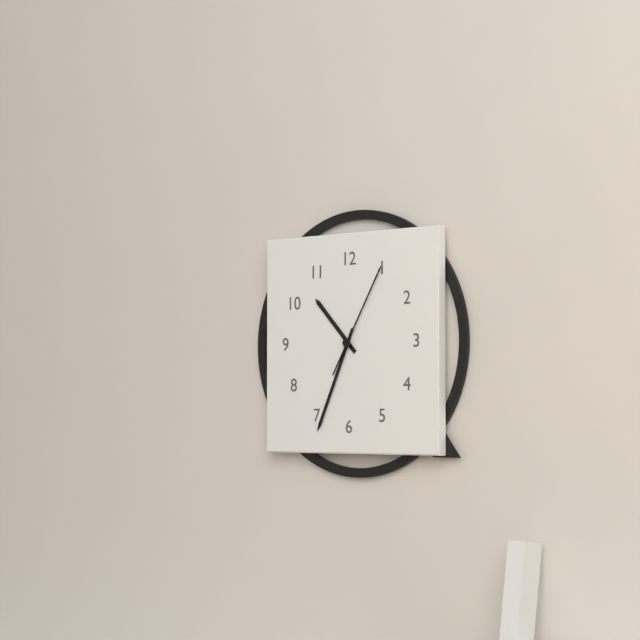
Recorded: h=10 m=34 s=5
